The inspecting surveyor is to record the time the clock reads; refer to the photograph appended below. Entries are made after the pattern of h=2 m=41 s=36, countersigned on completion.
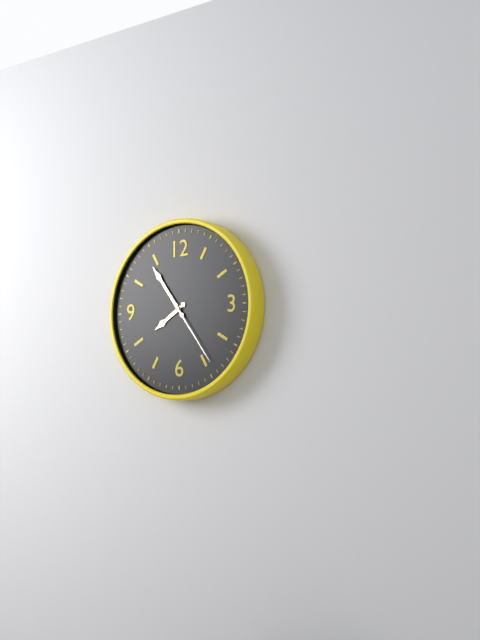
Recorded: h=7 m=54 s=24
